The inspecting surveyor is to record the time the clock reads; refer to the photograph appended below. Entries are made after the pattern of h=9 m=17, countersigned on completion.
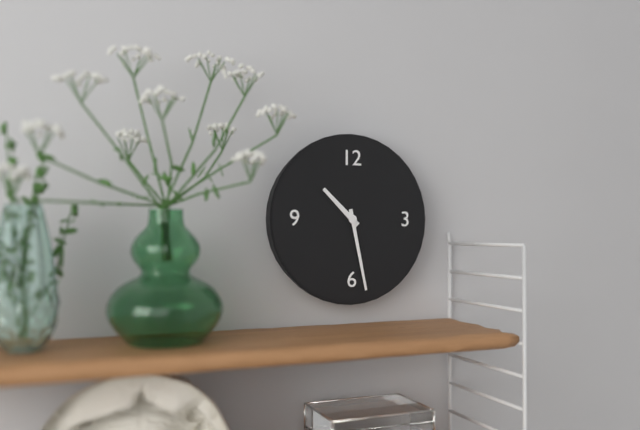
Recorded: h=10 m=28
